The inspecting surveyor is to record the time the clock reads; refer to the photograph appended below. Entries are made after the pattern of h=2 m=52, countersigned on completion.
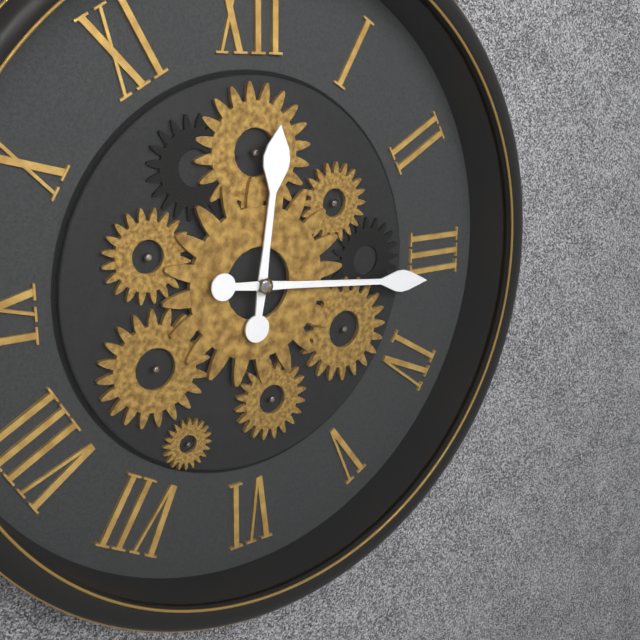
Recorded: h=12 m=16
